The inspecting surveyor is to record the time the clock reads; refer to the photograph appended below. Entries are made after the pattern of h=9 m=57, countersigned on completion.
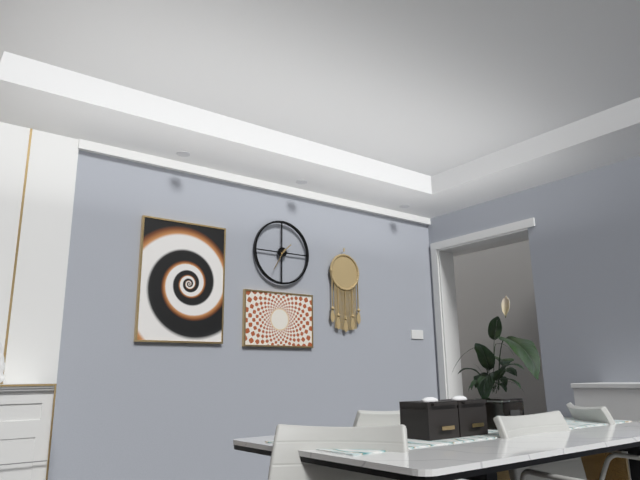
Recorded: h=1 m=35
